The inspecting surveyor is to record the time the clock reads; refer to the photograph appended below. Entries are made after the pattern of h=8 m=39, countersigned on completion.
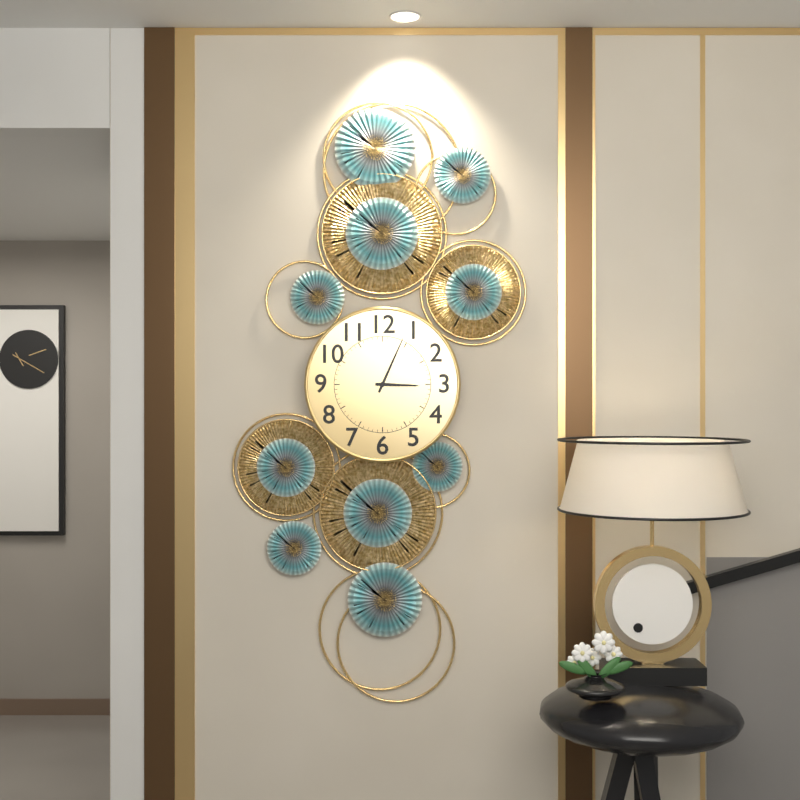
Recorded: h=3 m=4
